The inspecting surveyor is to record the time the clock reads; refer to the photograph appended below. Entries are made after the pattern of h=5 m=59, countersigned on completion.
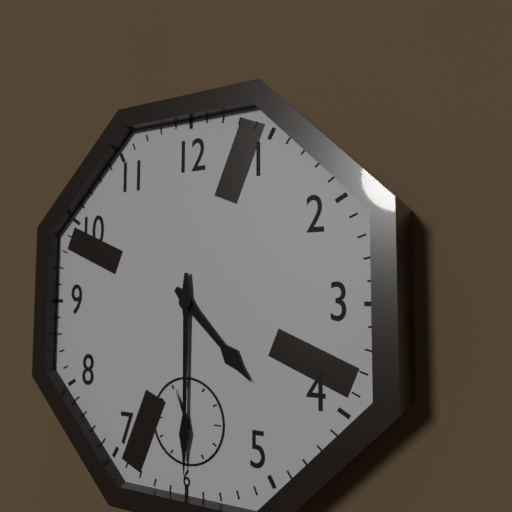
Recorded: h=4 m=30
